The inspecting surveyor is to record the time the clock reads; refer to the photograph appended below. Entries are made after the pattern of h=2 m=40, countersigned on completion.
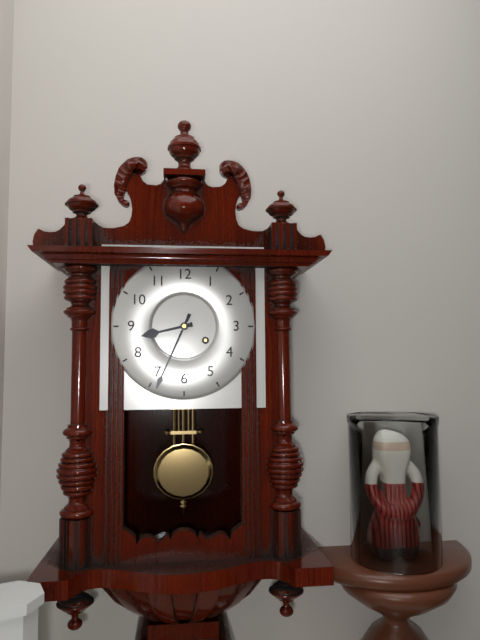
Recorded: h=8 m=34
